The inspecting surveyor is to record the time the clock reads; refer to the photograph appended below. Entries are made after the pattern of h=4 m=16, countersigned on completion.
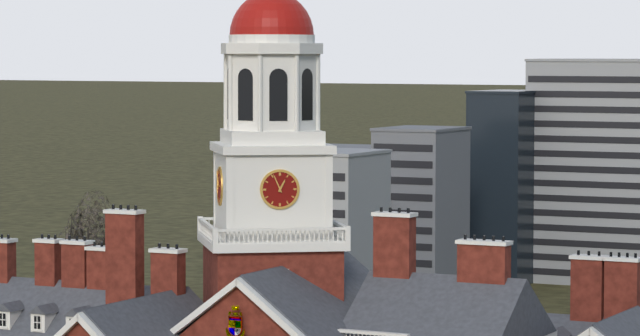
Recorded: h=12 m=56
